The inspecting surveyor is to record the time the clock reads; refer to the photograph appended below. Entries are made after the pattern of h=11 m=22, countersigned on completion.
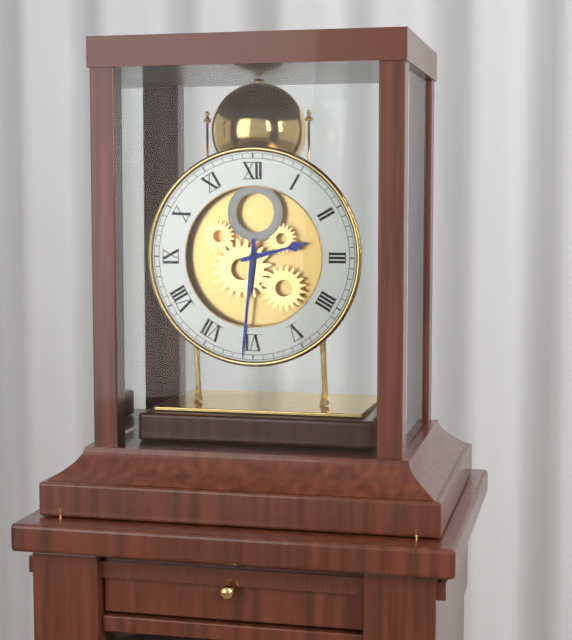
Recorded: h=2 m=31
